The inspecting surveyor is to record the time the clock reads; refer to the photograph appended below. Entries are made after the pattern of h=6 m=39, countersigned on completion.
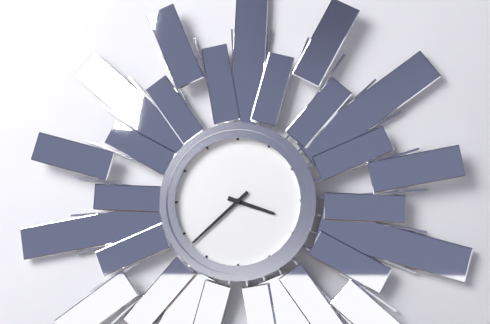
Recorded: h=3 m=38
